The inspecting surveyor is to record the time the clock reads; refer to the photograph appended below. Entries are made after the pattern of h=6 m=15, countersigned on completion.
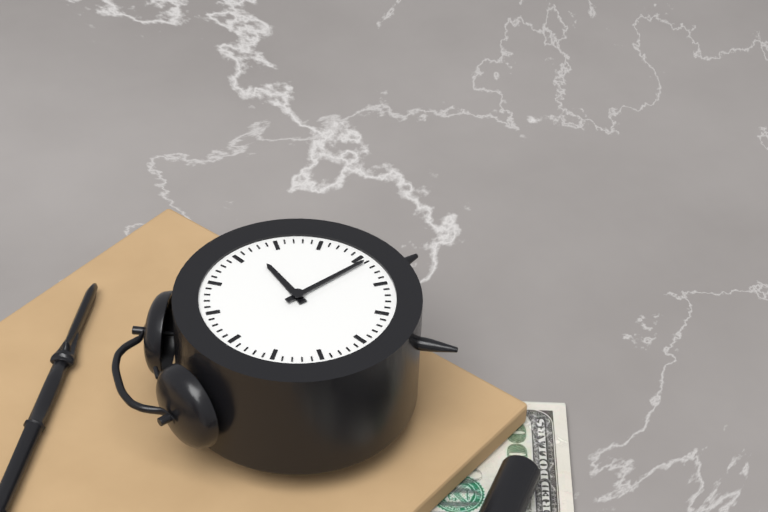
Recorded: h=2 m=26
